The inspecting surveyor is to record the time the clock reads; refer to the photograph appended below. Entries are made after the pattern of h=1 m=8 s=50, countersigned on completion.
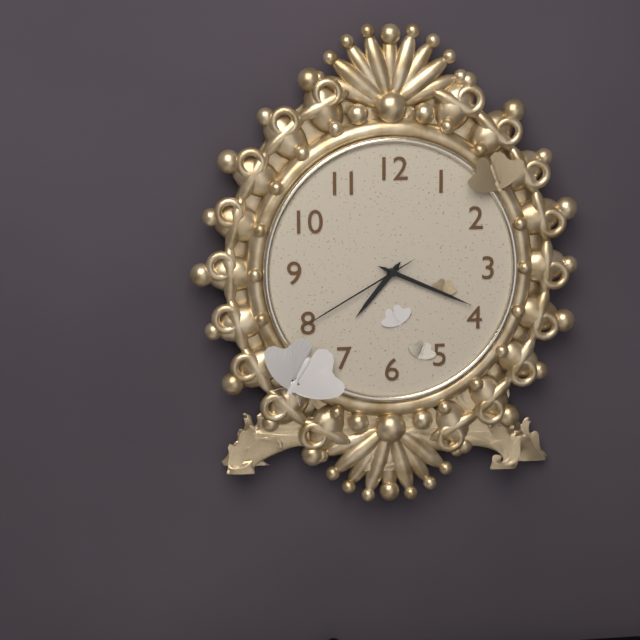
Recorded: h=7 m=19 s=40
